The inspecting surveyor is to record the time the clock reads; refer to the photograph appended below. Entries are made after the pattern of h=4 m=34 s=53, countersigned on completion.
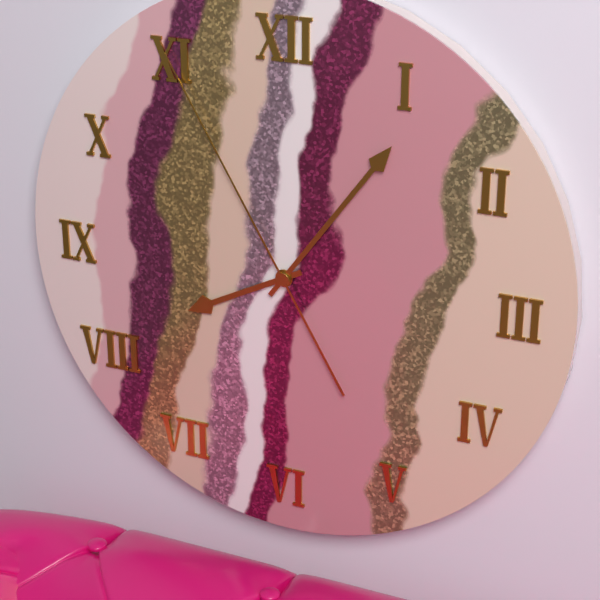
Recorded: h=8 m=6 s=55
